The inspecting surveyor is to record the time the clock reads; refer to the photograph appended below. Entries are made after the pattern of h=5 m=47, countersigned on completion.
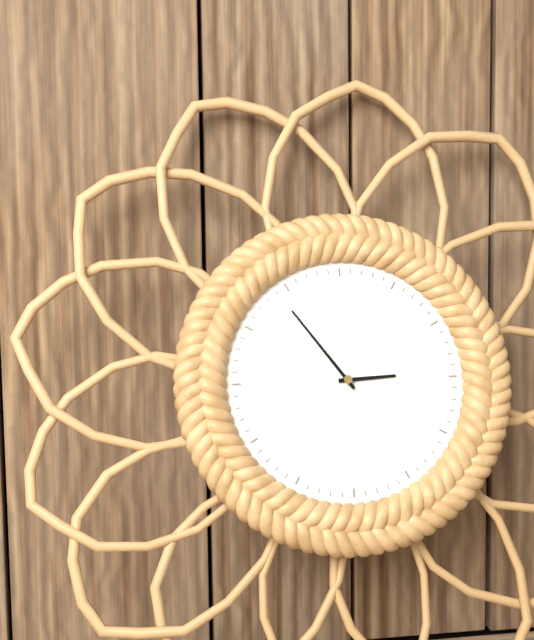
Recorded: h=2 m=54
